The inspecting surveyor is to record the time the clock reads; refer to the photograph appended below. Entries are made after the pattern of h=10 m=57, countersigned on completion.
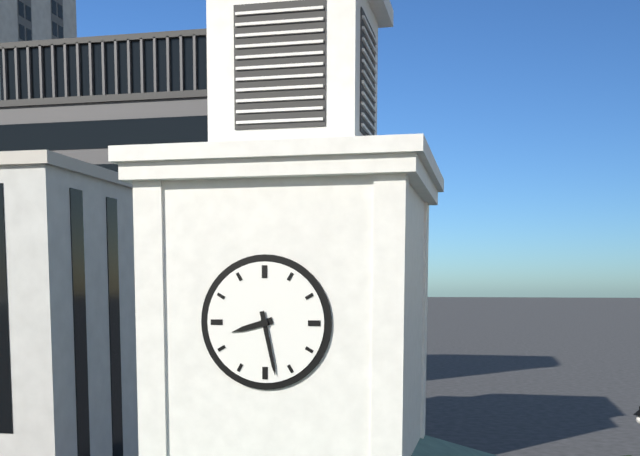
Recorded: h=8 m=28
